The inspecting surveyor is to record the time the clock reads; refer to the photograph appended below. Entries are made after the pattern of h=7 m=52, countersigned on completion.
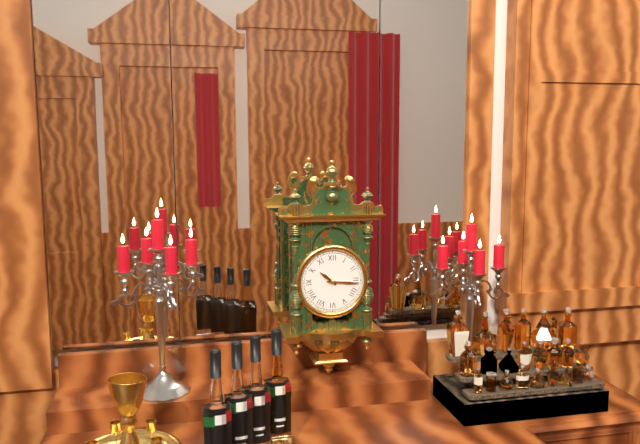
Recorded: h=10 m=16
